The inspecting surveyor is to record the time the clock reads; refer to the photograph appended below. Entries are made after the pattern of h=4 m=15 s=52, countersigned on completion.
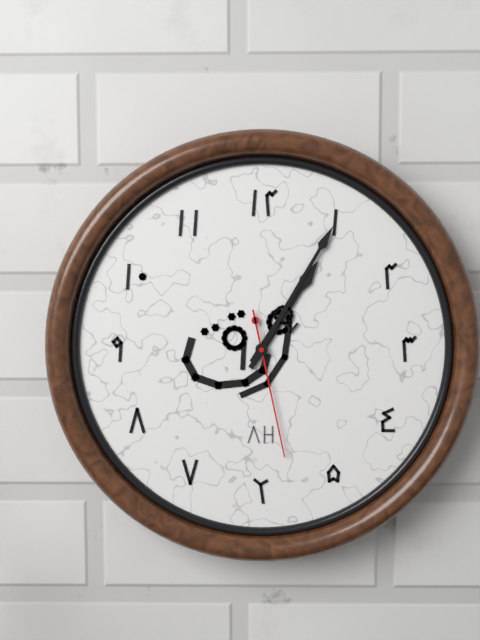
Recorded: h=1 m=5 s=28
